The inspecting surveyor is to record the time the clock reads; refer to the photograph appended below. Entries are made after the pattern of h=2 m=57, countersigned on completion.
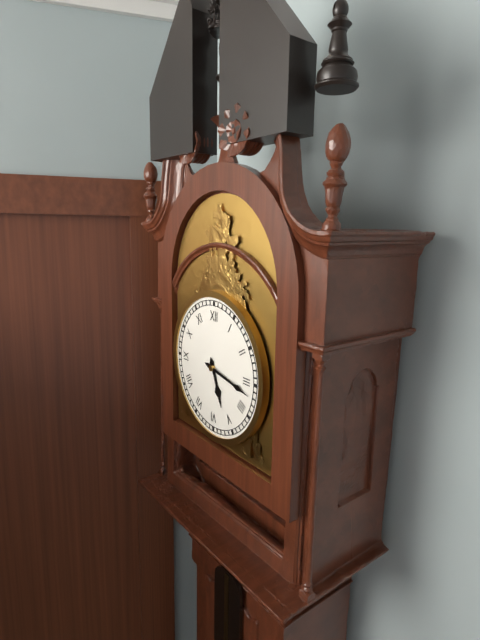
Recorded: h=5 m=17
